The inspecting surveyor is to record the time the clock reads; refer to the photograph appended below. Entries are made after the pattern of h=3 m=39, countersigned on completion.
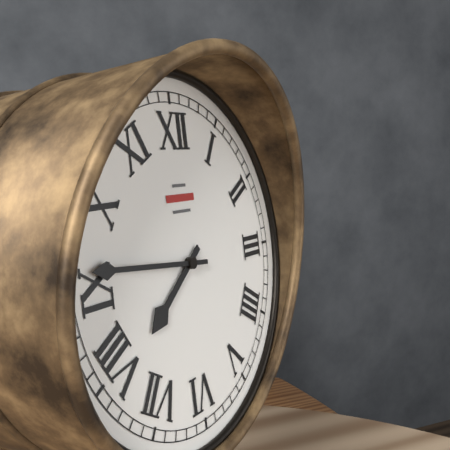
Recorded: h=7 m=46
